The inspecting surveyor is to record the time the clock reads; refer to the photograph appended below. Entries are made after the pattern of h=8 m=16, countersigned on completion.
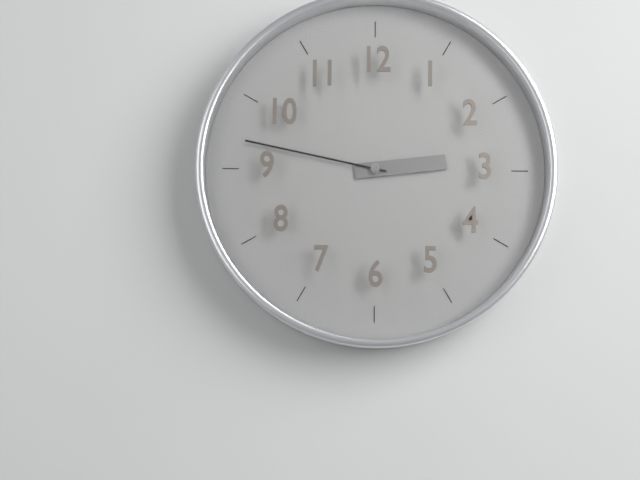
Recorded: h=2 m=47
